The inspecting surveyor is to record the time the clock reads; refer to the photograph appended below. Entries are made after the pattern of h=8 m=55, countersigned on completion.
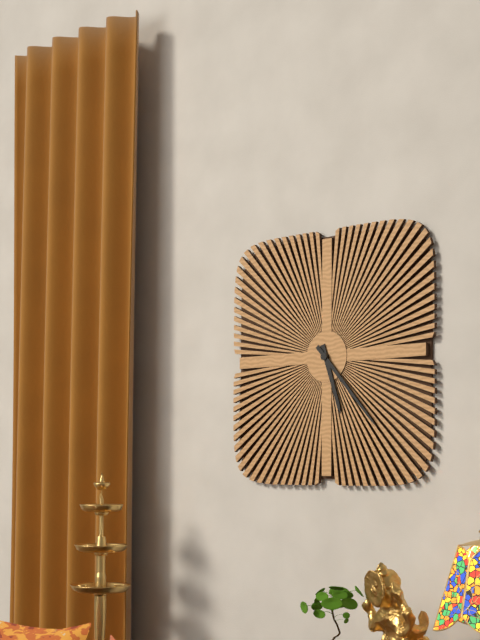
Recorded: h=5 m=23
